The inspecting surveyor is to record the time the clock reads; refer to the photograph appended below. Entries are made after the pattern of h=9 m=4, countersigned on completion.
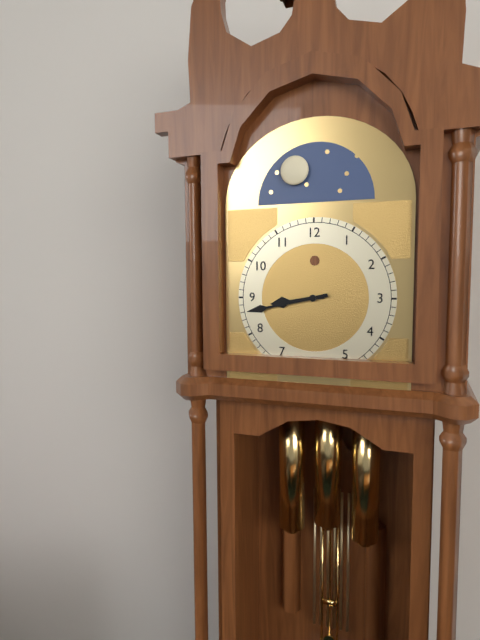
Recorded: h=8 m=43
